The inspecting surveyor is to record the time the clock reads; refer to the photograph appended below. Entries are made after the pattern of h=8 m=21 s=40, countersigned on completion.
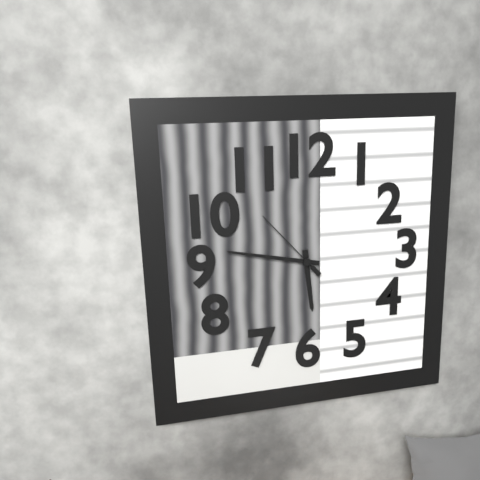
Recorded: h=5 m=47 s=53
